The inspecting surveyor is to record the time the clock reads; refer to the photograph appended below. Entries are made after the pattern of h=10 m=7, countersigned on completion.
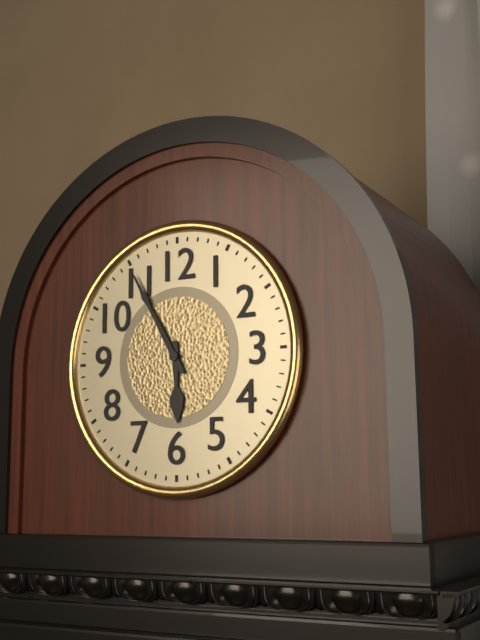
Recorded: h=5 m=55
